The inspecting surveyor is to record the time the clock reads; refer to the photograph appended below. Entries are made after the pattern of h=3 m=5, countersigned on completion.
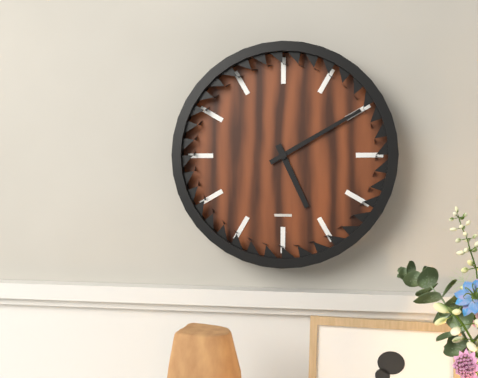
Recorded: h=5 m=10
